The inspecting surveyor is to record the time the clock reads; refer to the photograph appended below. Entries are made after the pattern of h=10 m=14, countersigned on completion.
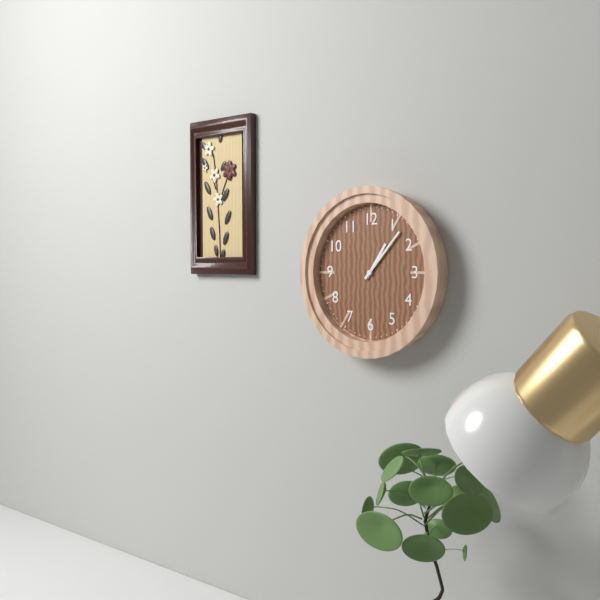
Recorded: h=1 m=7
